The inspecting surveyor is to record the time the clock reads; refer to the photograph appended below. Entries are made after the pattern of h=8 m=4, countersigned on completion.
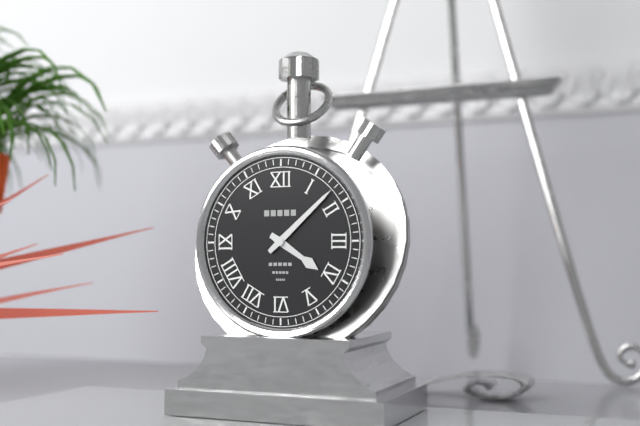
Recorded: h=4 m=8
